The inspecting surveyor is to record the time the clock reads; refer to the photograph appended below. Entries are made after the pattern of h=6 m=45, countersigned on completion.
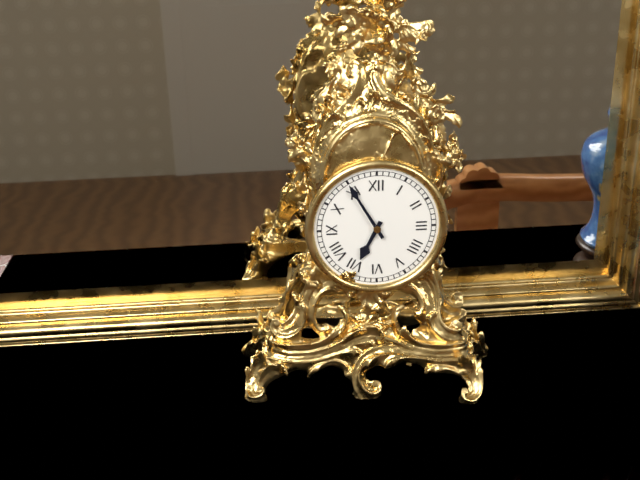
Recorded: h=6 m=55
